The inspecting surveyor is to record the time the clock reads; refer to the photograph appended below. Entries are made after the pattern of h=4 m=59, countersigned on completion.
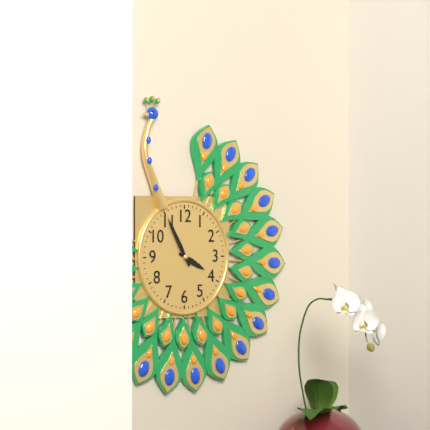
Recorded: h=3 m=55
